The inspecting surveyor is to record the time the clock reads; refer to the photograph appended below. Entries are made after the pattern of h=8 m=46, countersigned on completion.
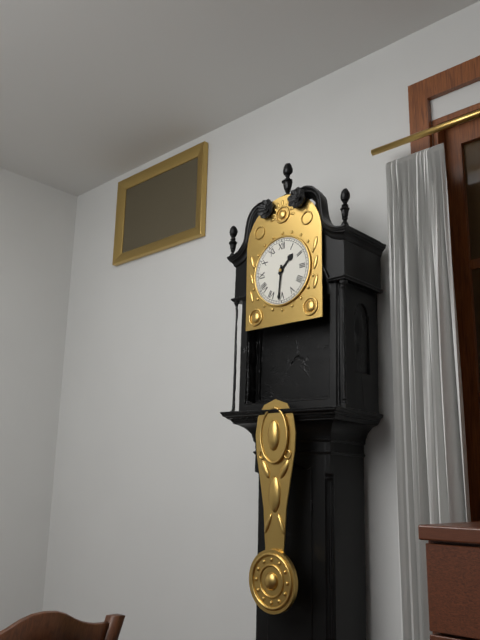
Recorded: h=1 m=31
